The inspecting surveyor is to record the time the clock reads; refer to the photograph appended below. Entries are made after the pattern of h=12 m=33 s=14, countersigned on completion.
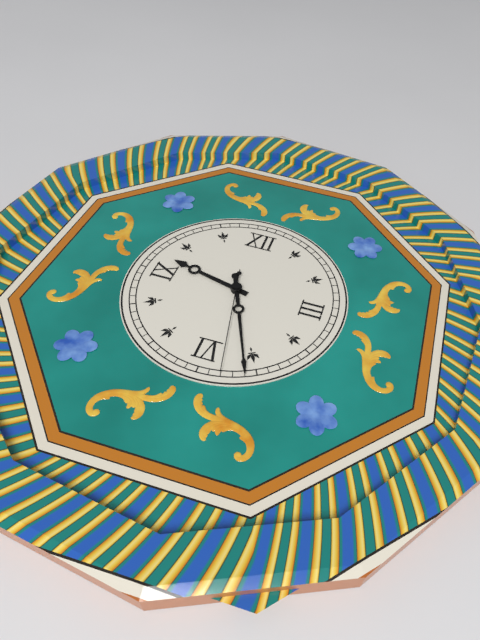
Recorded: h=9 m=26 s=28
